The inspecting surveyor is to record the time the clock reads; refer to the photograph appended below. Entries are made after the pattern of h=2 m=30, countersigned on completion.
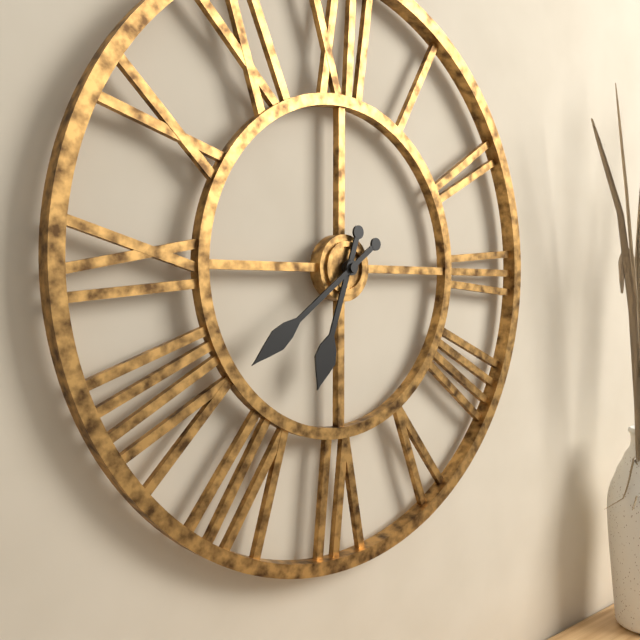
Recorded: h=6 m=39
